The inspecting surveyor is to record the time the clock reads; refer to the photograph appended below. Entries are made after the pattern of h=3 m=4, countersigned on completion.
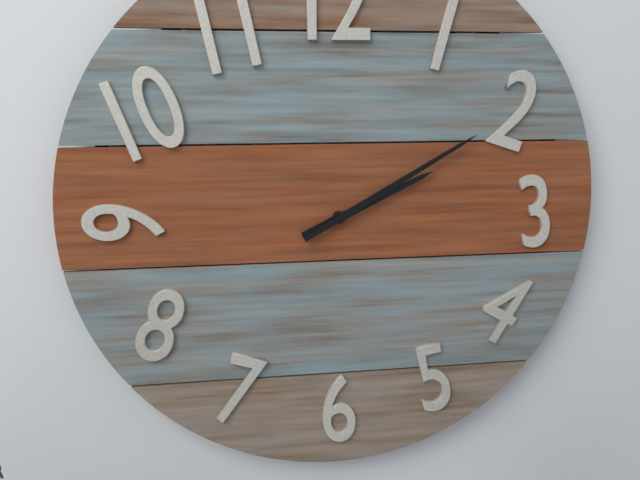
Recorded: h=2 m=10
